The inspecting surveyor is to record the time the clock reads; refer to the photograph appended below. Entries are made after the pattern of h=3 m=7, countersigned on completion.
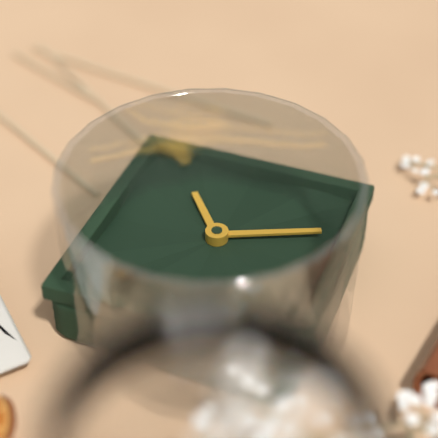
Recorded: h=4 m=41
